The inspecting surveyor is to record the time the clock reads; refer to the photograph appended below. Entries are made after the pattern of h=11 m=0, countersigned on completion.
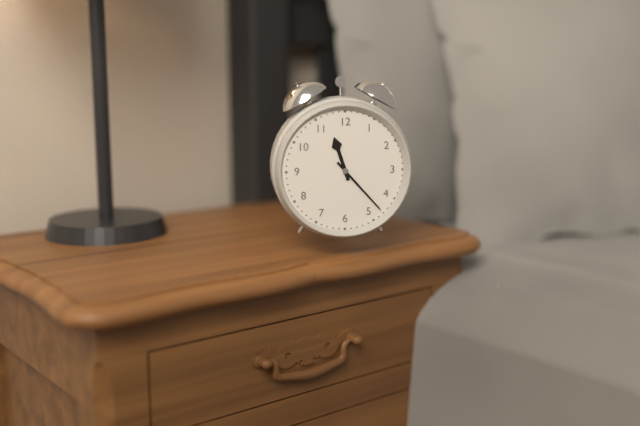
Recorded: h=11 m=23
